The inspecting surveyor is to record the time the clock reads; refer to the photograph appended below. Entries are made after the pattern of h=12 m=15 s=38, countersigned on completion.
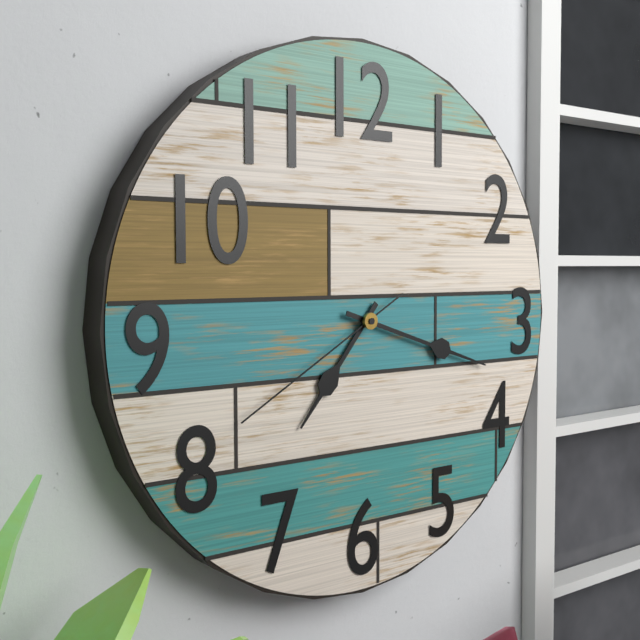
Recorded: h=7 m=18 s=40
